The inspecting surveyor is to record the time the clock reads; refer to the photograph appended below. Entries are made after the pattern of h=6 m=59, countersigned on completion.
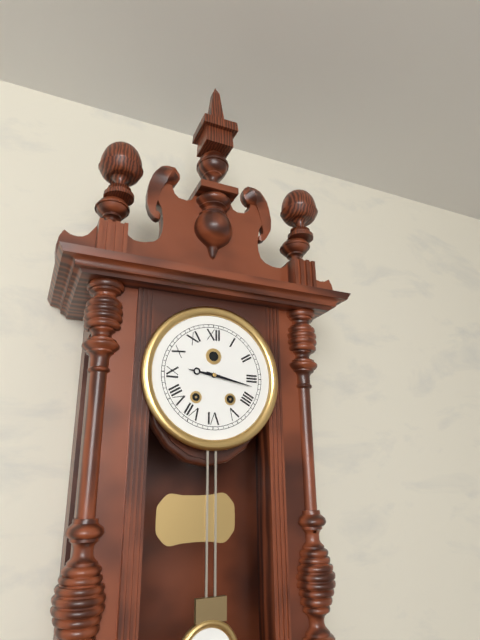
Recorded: h=9 m=17
